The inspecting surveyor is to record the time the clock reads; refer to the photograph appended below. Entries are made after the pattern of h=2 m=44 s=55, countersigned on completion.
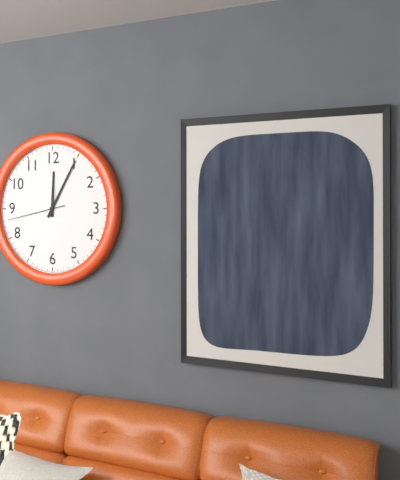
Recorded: h=12 m=5 s=43
